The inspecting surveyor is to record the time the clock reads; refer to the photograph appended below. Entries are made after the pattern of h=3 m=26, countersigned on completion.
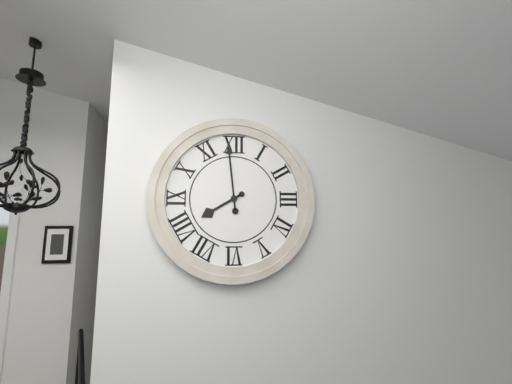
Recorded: h=7 m=59
